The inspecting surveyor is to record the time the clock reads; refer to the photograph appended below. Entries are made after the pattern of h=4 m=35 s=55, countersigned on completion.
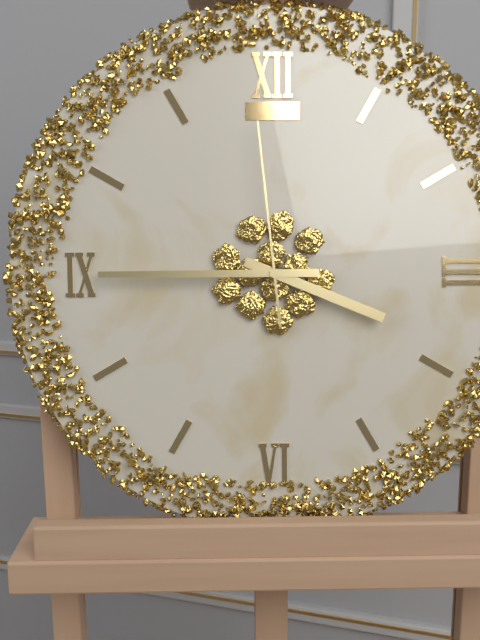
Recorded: h=3 m=45 s=59
